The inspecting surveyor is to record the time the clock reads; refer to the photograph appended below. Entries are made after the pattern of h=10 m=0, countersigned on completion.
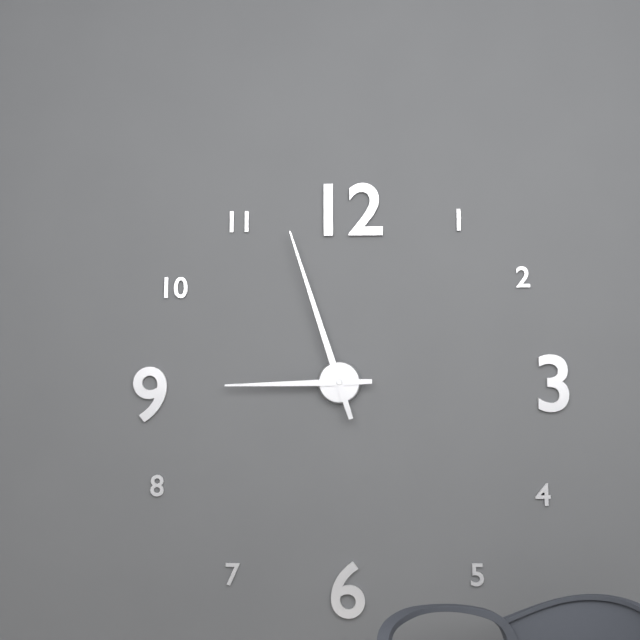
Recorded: h=8 m=57
